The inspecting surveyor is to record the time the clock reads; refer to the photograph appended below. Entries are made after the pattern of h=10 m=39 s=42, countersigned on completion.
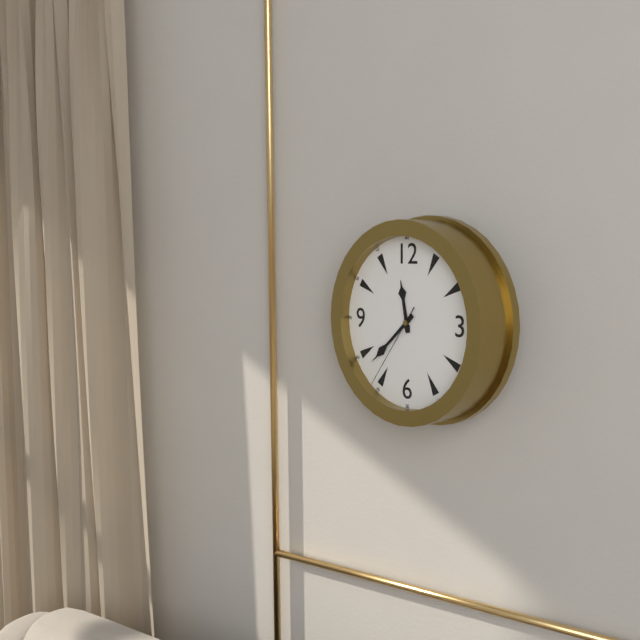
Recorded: h=11 m=38 s=36
